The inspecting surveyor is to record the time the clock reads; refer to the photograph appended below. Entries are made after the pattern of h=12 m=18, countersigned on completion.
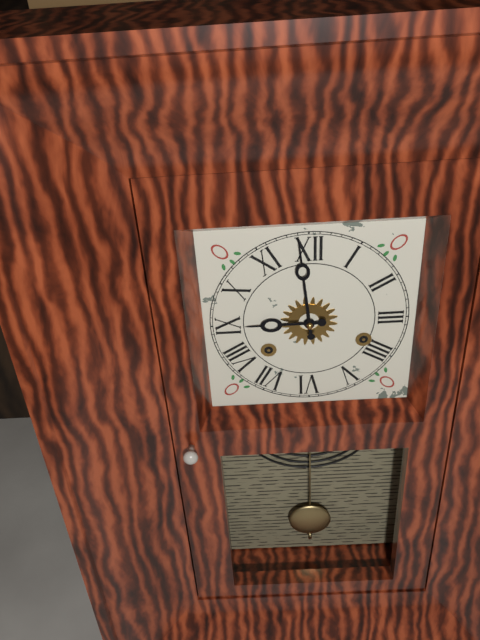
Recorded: h=8 m=59
